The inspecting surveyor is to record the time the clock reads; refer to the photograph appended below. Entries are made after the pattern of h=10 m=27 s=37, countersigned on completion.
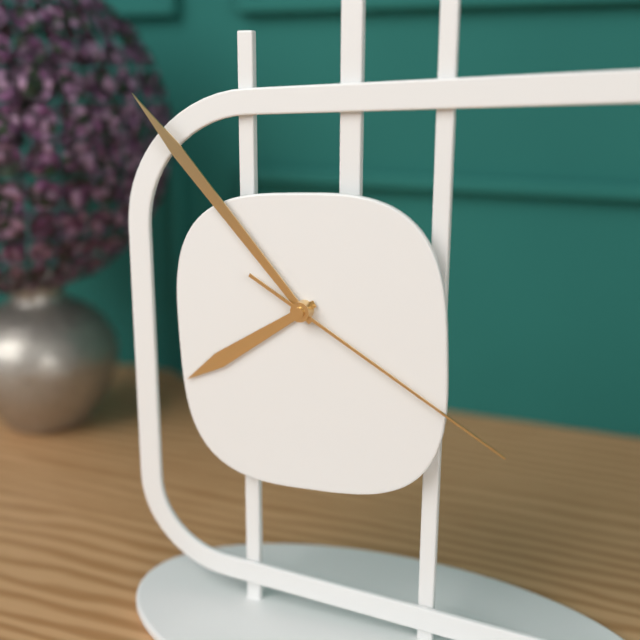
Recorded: h=7 m=53 s=20
